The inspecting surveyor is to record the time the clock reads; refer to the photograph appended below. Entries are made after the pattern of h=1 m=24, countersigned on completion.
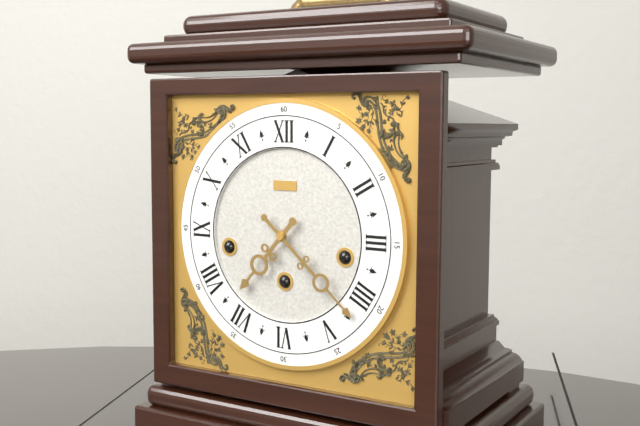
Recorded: h=7 m=22
